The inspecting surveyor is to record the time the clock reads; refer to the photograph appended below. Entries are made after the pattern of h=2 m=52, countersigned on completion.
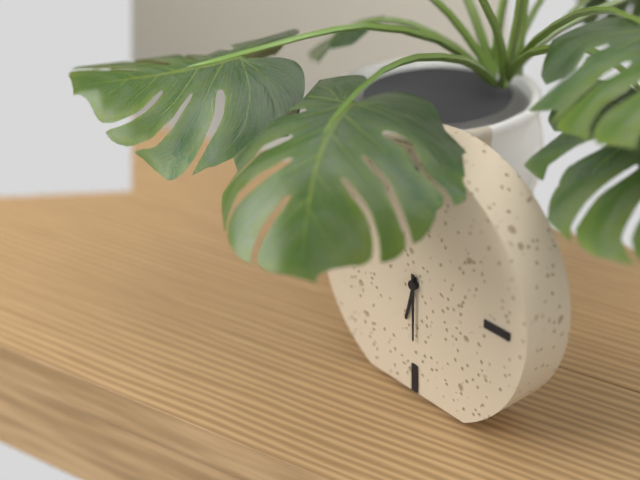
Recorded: h=6 m=30
